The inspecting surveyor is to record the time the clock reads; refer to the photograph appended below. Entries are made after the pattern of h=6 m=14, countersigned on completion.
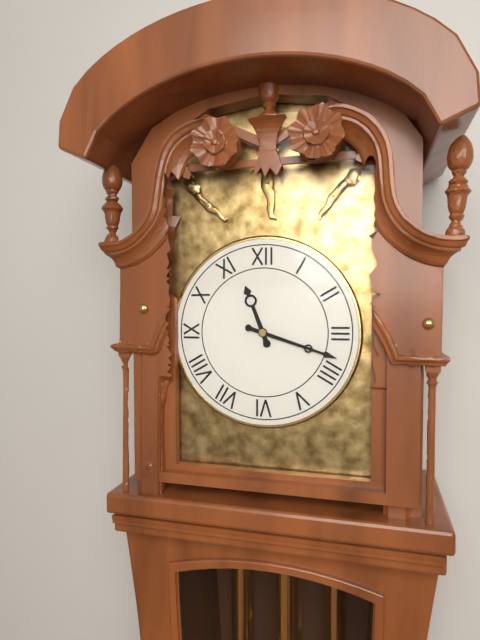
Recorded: h=11 m=18
